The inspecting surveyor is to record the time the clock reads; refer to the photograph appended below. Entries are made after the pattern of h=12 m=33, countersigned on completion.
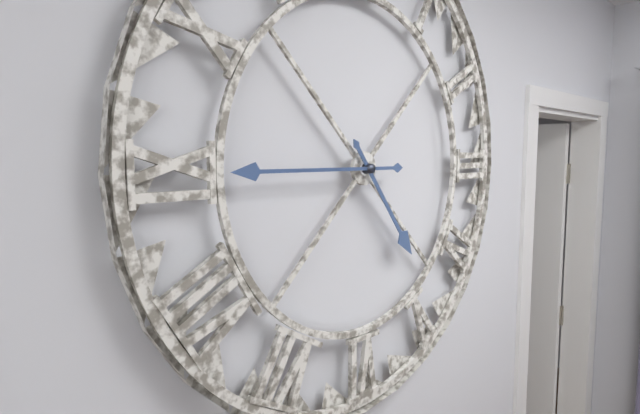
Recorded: h=4 m=45
